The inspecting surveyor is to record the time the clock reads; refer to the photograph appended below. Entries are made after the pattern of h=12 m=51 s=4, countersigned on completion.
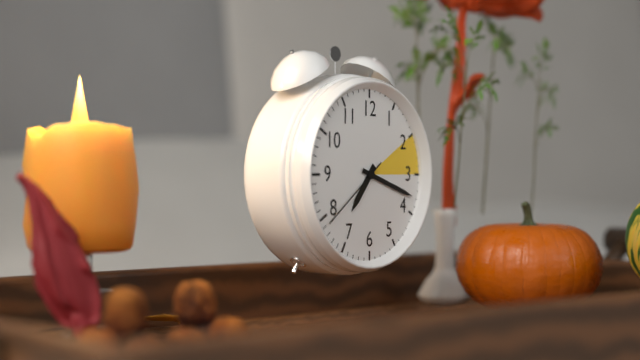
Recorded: h=7 m=18 s=39
